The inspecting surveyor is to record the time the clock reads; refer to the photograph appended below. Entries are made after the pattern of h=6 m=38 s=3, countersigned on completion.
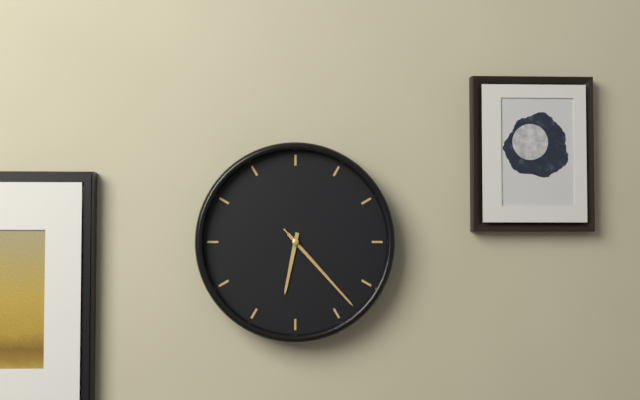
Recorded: h=6 m=23 s=23
